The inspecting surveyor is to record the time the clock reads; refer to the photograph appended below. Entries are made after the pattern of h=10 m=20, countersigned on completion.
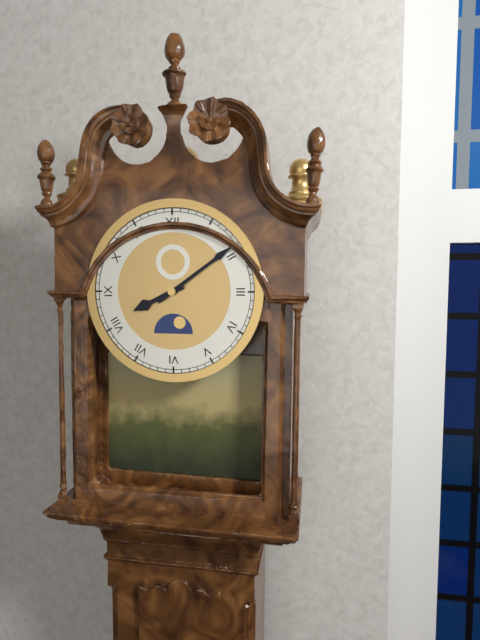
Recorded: h=8 m=9
